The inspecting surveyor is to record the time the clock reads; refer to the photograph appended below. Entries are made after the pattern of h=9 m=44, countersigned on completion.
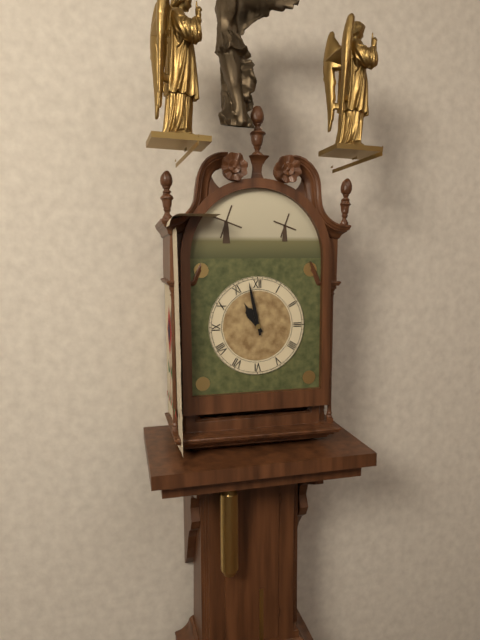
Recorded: h=10 m=58
